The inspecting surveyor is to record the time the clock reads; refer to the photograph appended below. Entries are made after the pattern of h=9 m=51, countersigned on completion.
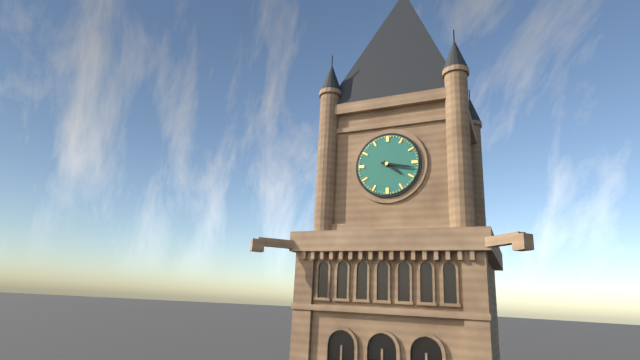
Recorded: h=4 m=17
